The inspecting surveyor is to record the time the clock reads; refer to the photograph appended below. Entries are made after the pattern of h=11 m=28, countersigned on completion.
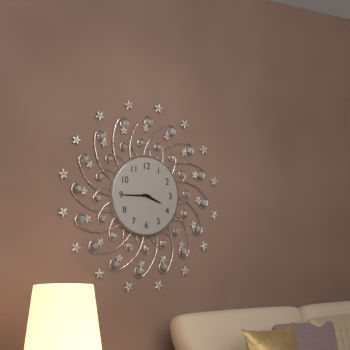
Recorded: h=3 m=45
